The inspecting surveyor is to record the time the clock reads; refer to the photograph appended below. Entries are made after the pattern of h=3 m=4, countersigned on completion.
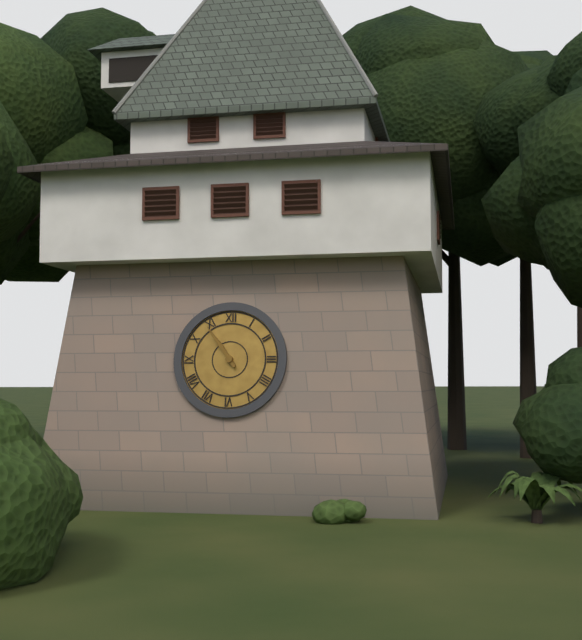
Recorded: h=10 m=54
